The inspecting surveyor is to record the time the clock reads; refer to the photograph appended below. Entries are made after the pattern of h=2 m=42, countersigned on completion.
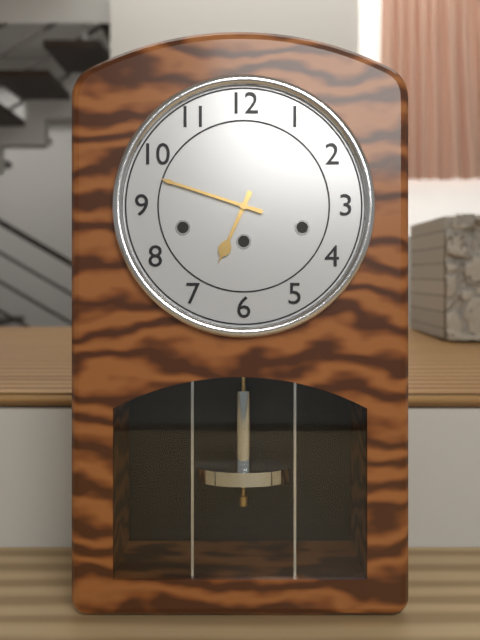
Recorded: h=6 m=48
